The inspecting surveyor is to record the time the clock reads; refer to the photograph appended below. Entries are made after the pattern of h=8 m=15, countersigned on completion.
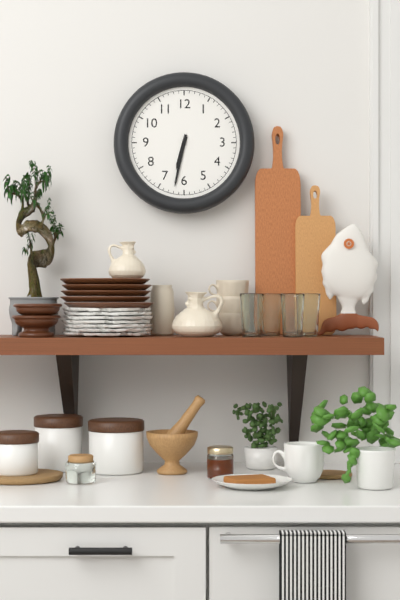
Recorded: h=6 m=32
